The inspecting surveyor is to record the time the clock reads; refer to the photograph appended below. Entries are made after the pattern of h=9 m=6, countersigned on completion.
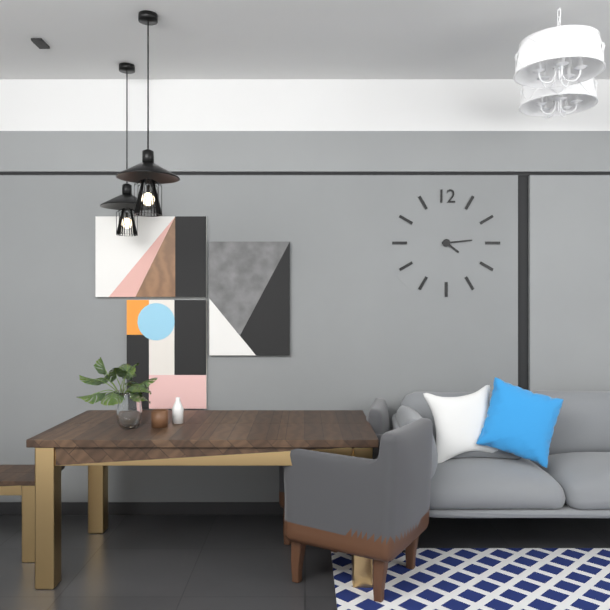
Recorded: h=4 m=14
